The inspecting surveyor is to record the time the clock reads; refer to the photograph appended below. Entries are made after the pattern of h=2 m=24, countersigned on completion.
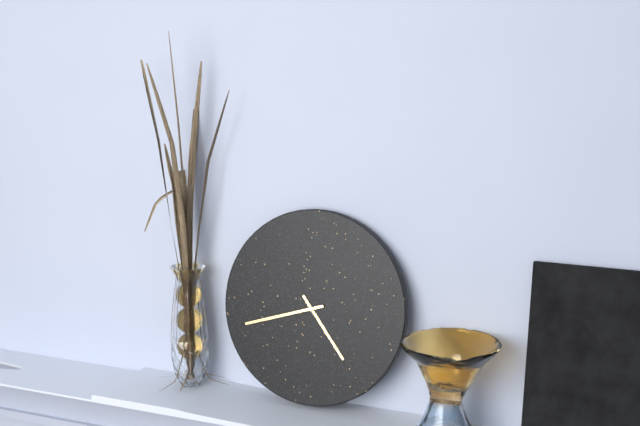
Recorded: h=4 m=42
